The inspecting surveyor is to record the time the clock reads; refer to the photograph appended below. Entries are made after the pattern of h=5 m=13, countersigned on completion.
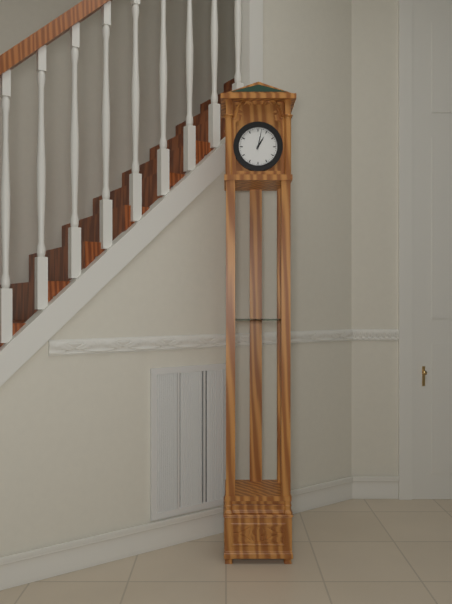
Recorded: h=1 m=2
